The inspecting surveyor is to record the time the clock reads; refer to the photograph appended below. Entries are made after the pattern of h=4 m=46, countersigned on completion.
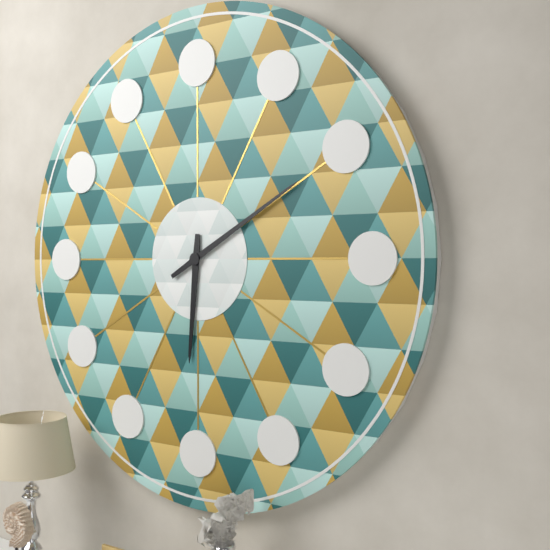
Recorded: h=6 m=10
